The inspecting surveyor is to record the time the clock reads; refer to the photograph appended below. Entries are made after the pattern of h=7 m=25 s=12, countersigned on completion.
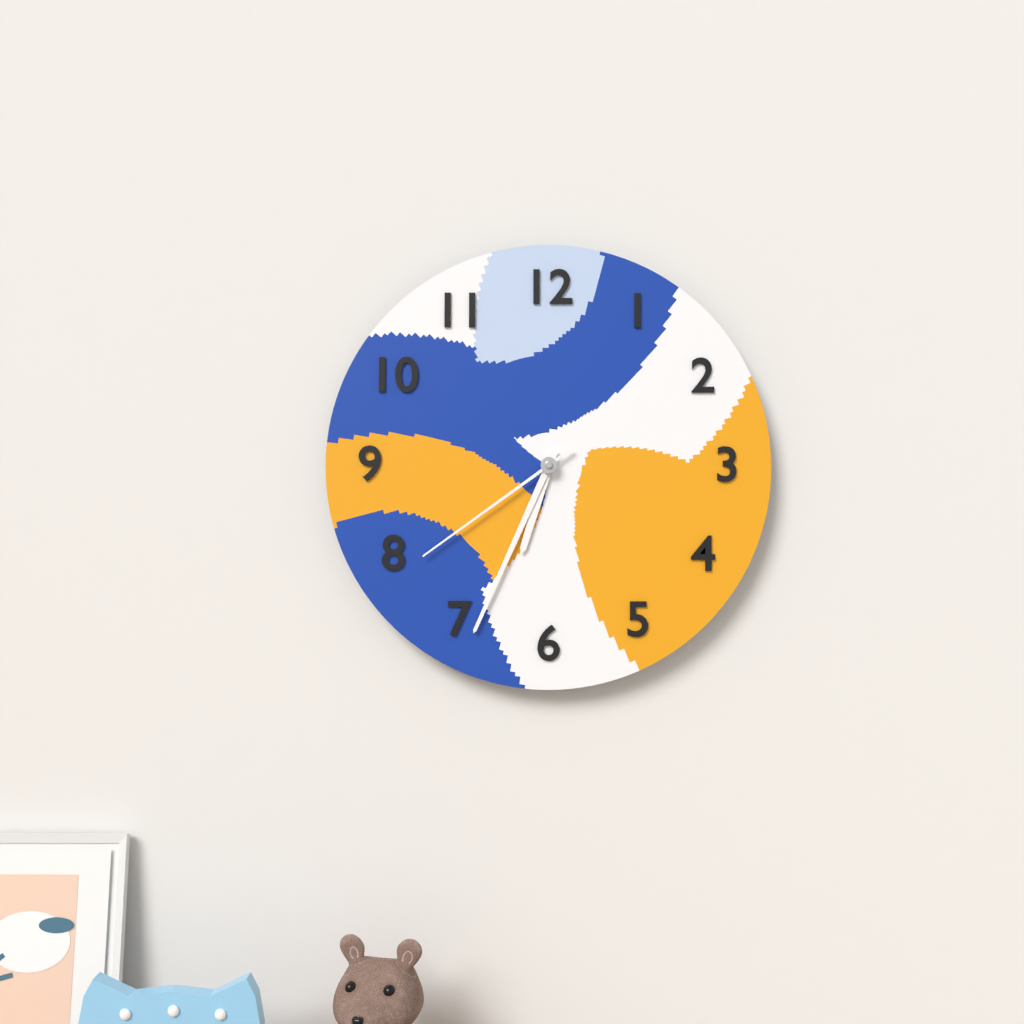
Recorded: h=6 m=34 s=39
